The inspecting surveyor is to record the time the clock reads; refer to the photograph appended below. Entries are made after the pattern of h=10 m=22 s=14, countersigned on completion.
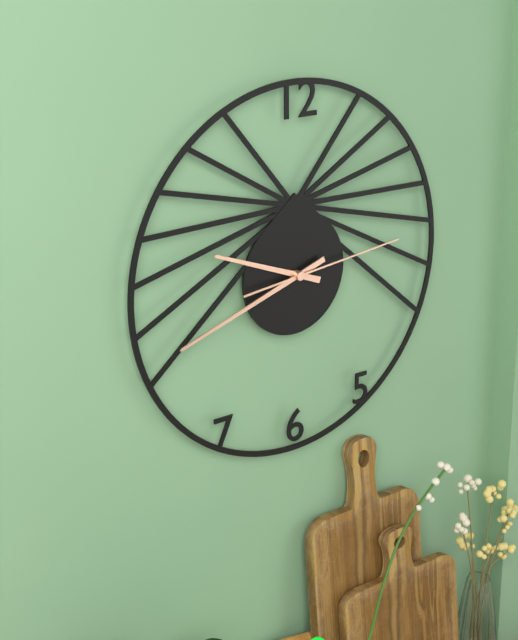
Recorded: h=9 m=42 s=14
